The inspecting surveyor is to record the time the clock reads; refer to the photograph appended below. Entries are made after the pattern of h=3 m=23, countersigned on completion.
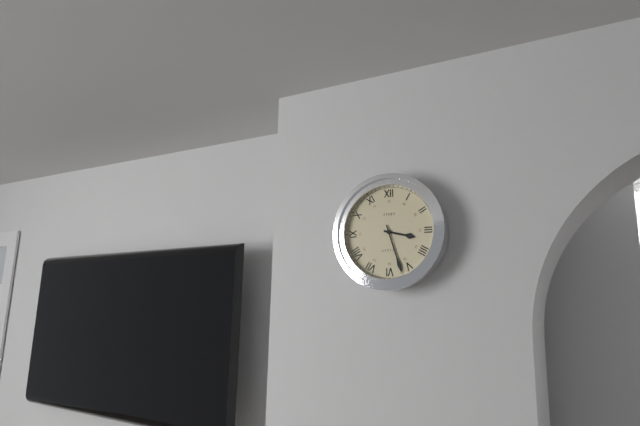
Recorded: h=3 m=27
